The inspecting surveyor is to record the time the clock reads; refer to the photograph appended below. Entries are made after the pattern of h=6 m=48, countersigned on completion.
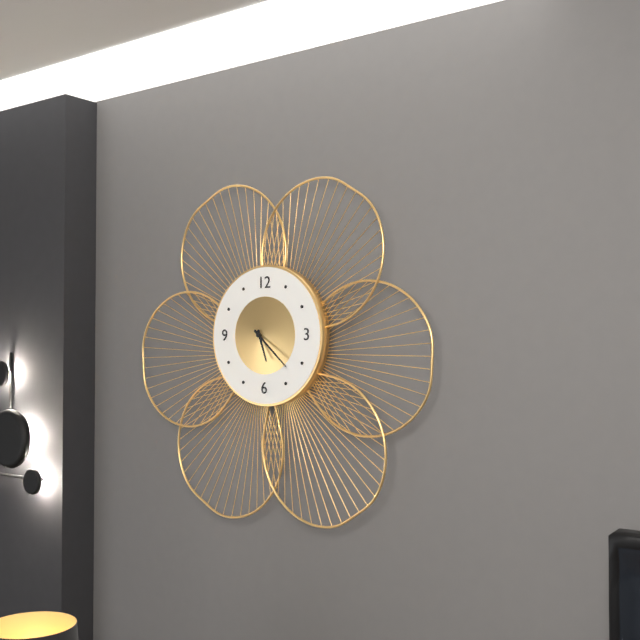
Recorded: h=5 m=22
